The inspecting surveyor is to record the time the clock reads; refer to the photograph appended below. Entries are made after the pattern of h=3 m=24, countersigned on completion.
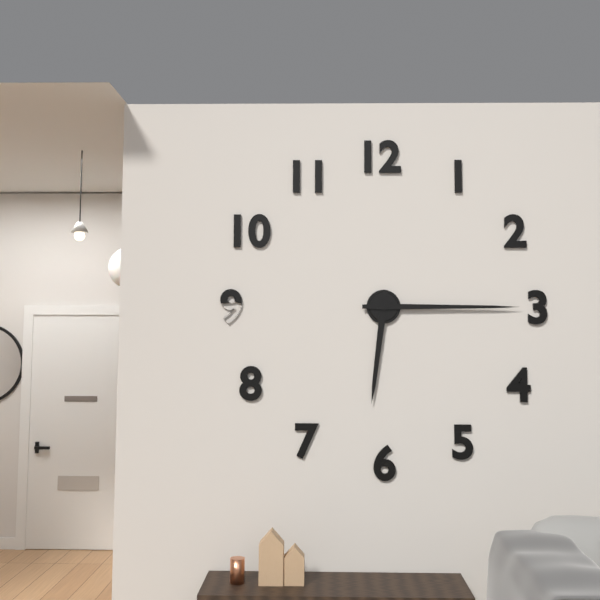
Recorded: h=6 m=15
